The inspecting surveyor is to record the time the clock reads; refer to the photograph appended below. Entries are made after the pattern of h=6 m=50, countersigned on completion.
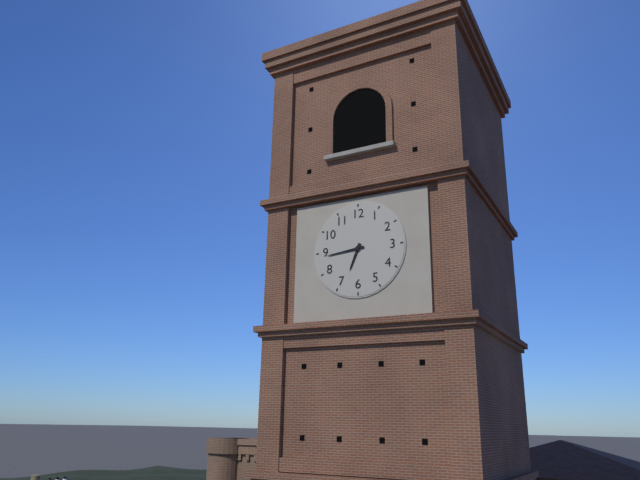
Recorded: h=6 m=44
